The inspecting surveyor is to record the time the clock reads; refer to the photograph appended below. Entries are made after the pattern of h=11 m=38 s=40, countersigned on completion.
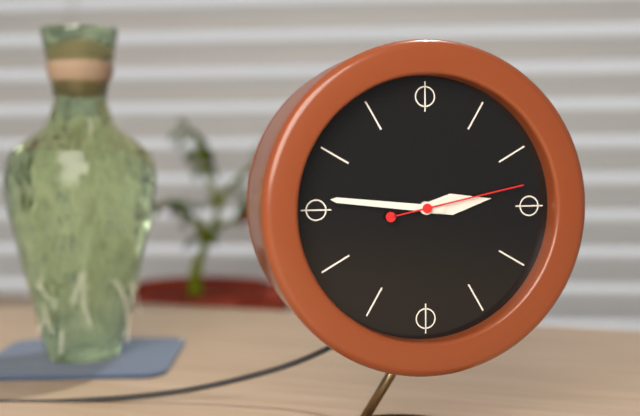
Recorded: h=2 m=46 s=13
